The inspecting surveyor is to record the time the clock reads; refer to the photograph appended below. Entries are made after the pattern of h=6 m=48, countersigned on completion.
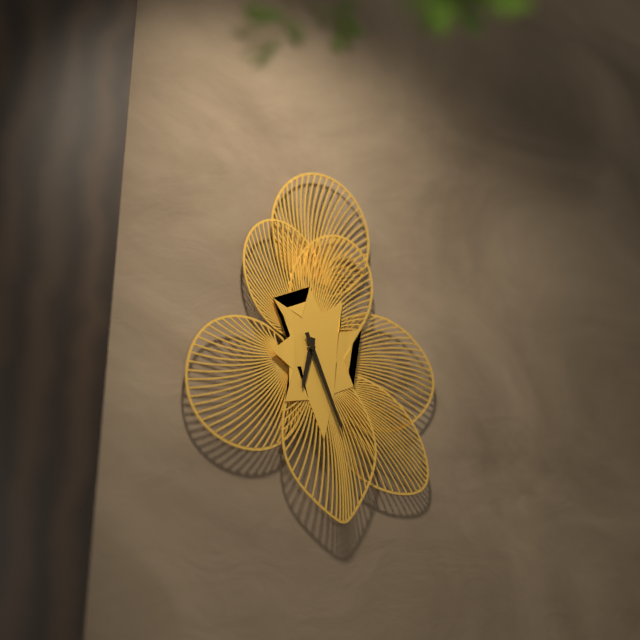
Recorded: h=6 m=26
